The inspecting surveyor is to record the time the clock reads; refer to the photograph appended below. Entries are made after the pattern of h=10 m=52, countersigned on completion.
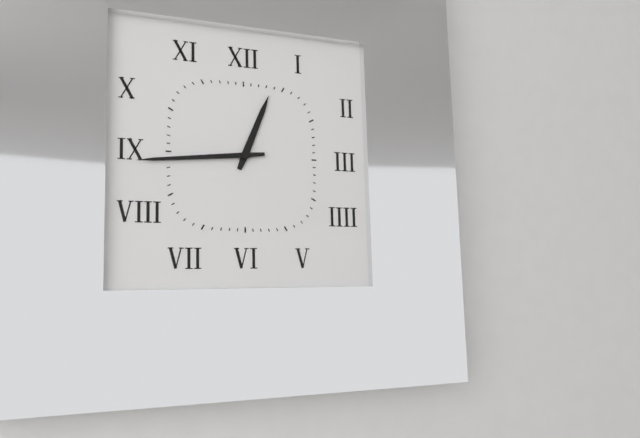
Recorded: h=12 m=44
